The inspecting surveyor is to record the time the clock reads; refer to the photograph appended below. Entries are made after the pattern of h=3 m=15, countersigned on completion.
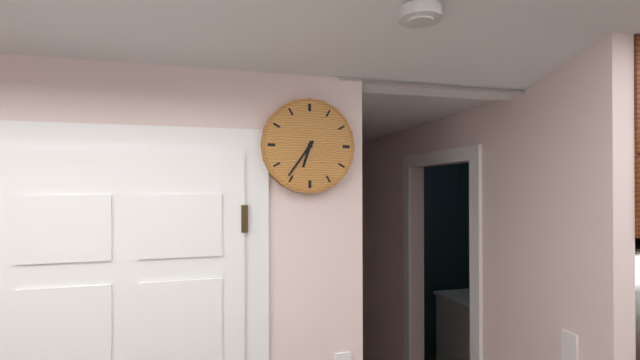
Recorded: h=6 m=36
